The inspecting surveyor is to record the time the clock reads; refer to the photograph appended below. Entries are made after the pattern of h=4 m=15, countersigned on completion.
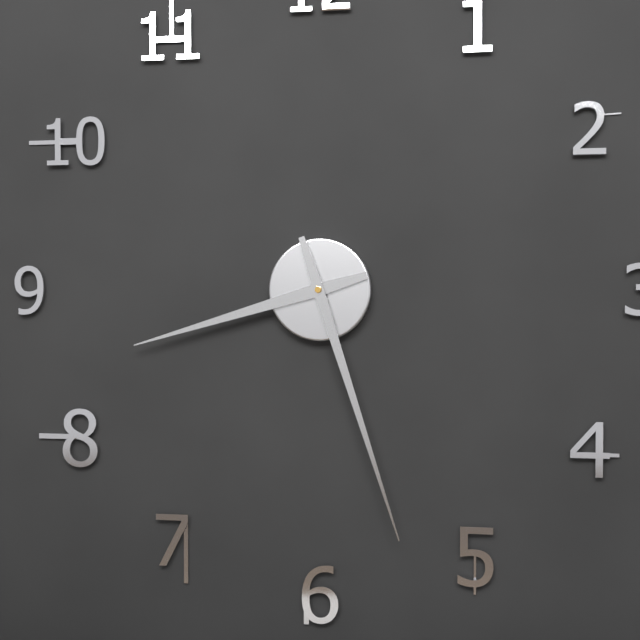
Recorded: h=8 m=27
